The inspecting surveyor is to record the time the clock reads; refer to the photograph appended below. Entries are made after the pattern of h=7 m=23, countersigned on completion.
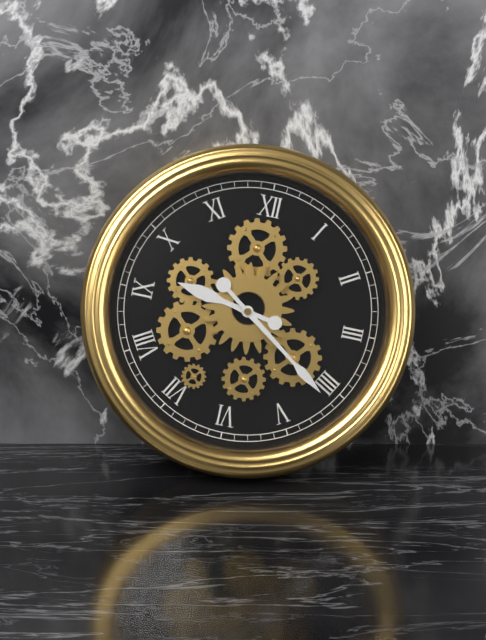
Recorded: h=9 m=21
